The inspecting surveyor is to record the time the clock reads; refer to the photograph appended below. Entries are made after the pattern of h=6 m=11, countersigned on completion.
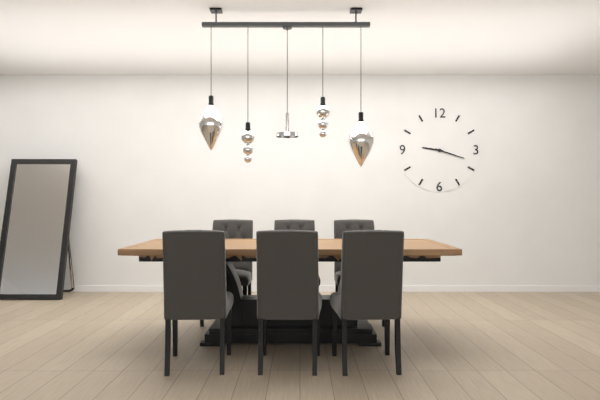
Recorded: h=9 m=18
